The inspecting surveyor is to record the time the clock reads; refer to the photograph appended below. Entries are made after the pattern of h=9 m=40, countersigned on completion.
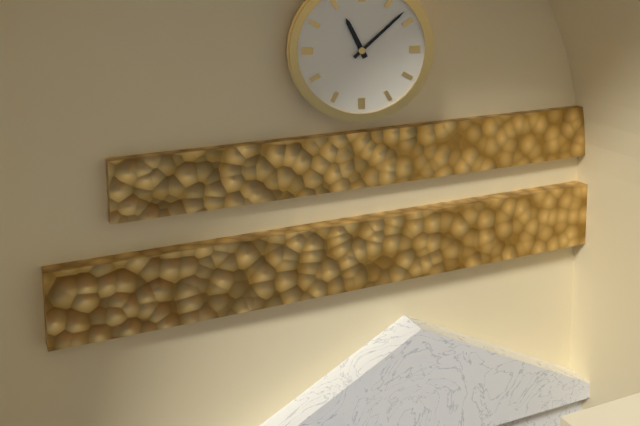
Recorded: h=11 m=8
